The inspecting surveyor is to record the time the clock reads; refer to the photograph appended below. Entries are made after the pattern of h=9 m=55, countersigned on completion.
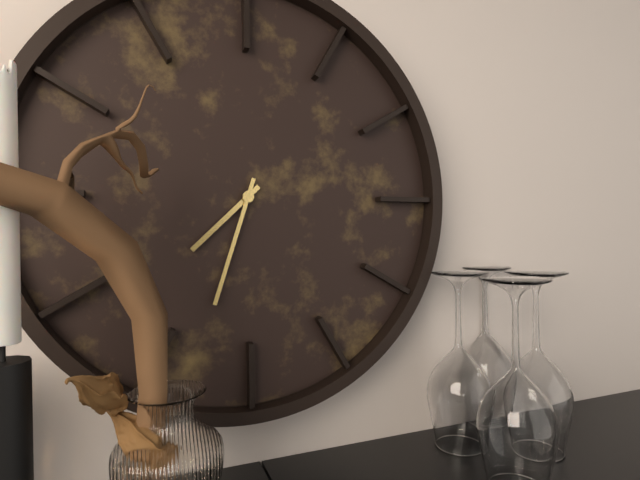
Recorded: h=7 m=33
